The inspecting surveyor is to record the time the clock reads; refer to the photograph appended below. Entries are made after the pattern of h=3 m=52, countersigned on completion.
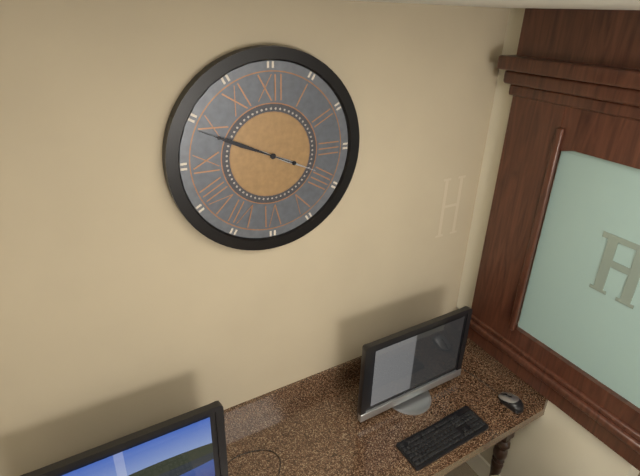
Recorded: h=3 m=49
